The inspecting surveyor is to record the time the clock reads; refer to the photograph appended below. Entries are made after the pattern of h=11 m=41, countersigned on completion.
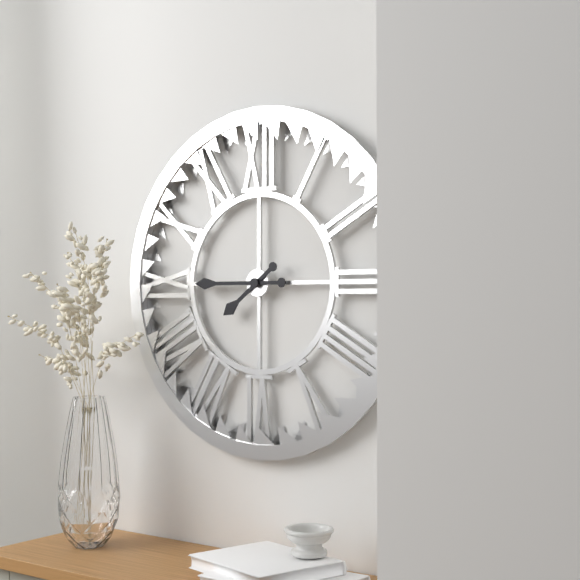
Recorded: h=7 m=45
